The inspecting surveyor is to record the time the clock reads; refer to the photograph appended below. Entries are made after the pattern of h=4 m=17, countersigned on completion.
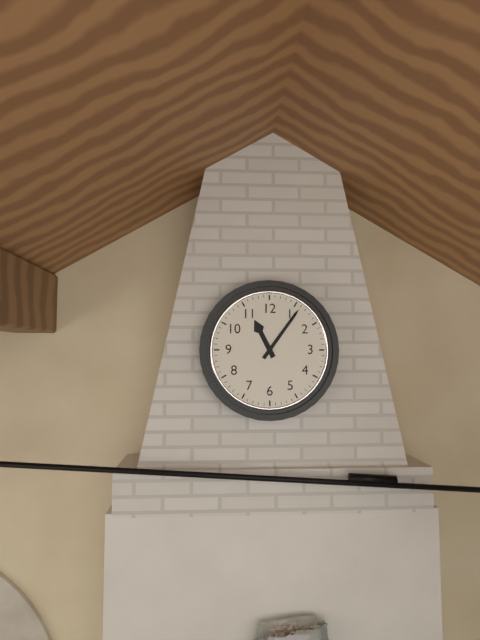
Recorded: h=11 m=6
